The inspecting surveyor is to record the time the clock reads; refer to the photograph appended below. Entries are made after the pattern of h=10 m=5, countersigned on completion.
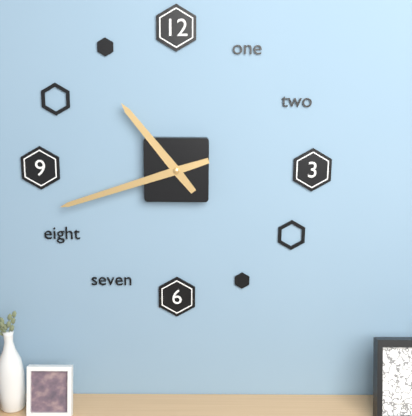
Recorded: h=10 m=42
